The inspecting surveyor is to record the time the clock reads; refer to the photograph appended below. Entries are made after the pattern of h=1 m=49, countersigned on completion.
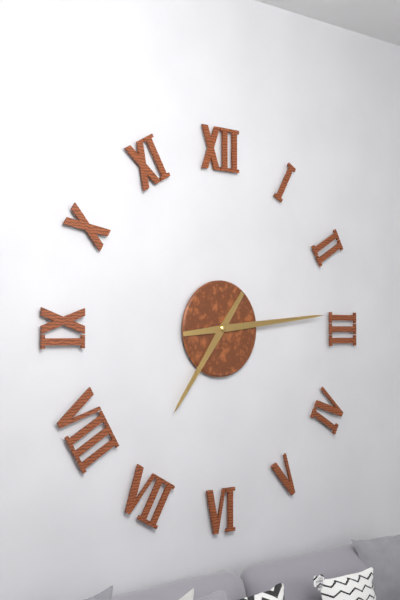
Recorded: h=7 m=14
